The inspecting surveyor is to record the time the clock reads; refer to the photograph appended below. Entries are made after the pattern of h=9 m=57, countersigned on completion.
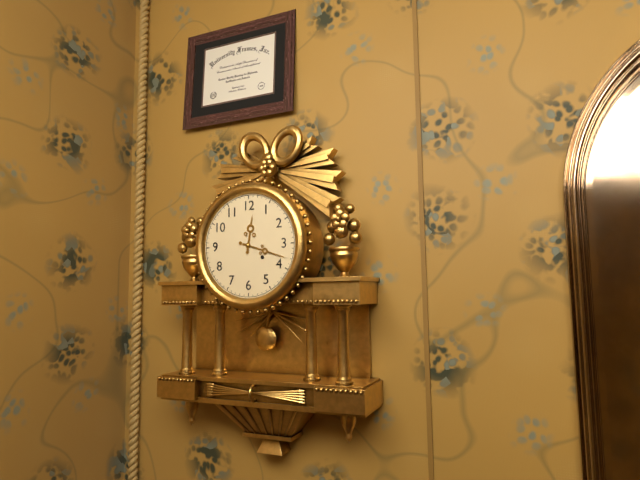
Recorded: h=12 m=18
